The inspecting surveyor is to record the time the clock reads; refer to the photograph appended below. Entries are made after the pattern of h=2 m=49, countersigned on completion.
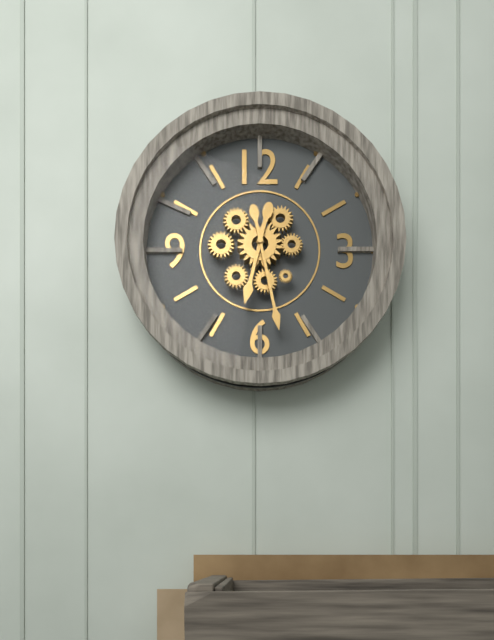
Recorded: h=6 m=28
